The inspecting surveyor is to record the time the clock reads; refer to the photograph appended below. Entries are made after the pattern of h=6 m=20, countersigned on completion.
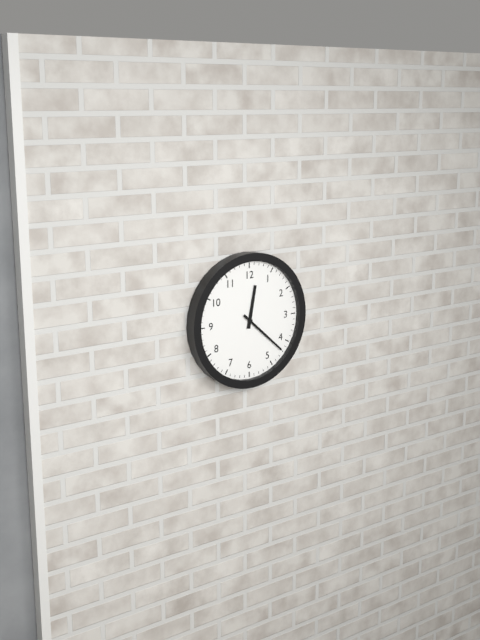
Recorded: h=12 m=22
